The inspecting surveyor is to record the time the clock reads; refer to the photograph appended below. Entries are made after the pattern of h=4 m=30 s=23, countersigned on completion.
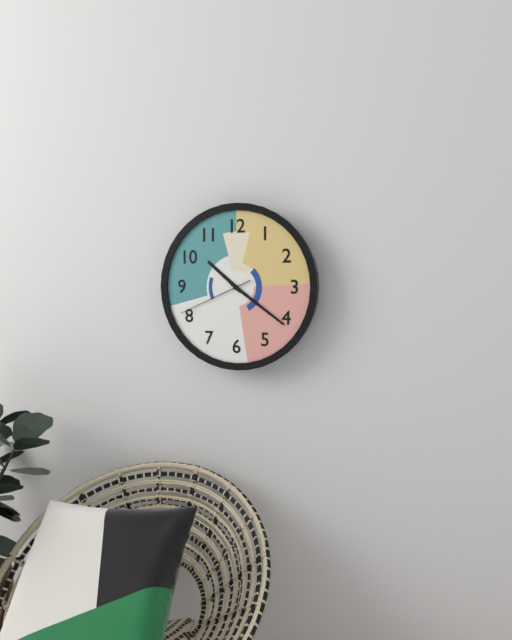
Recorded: h=10 m=21 s=41
